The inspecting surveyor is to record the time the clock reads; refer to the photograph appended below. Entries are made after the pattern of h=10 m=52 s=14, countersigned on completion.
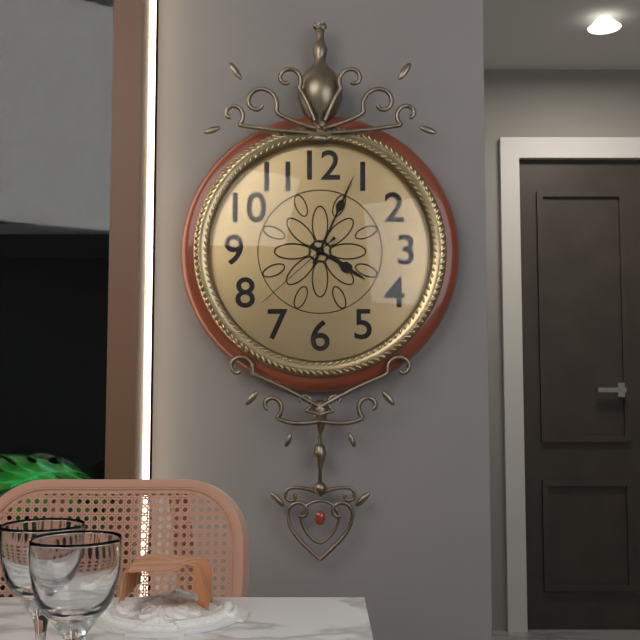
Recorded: h=4 m=4 s=38
